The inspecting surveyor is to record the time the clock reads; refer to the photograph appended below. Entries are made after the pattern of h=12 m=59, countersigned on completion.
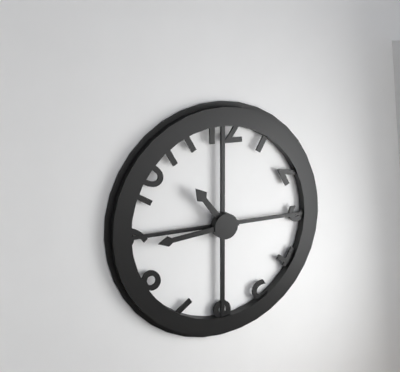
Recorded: h=10 m=44
